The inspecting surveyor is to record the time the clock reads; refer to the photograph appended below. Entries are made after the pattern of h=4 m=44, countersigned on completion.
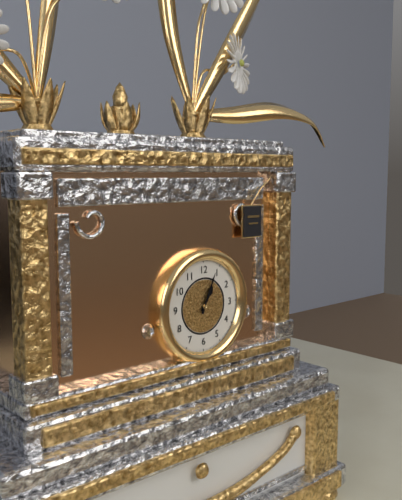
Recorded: h=1 m=4
